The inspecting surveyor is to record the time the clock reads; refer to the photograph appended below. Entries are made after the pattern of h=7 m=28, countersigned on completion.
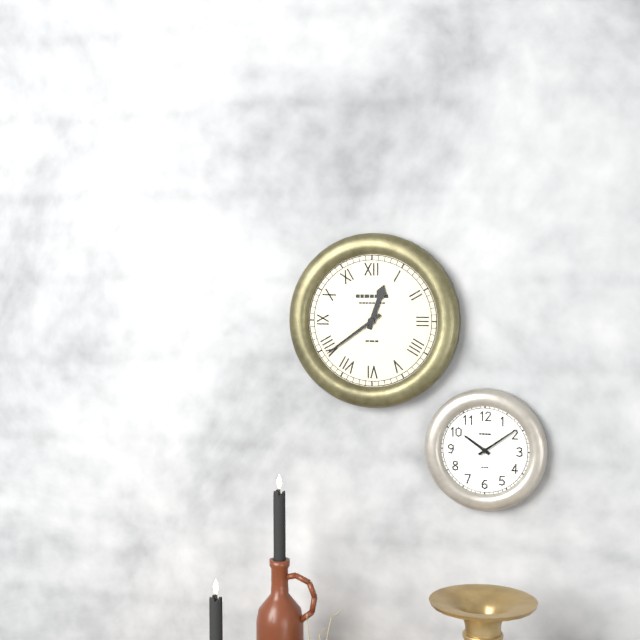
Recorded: h=12 m=39
